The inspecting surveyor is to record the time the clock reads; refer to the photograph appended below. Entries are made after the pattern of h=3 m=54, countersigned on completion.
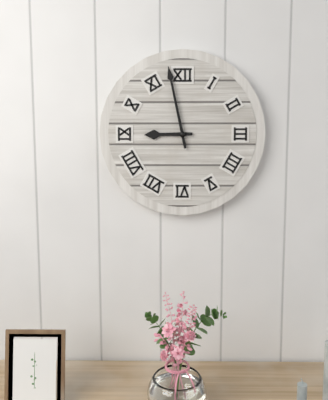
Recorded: h=8 m=58
